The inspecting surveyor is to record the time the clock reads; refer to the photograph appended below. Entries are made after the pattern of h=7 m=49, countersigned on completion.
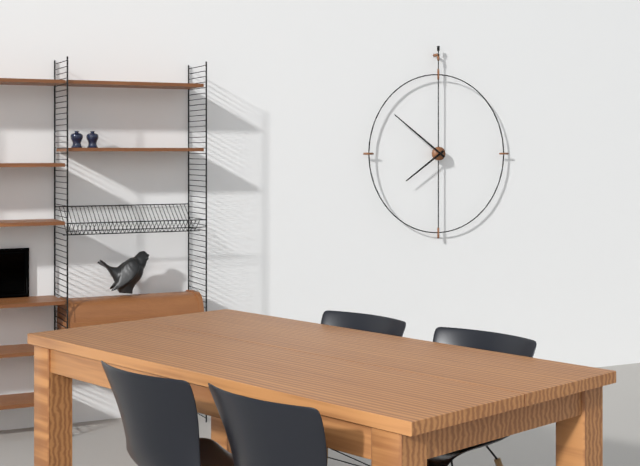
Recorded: h=7 m=51
